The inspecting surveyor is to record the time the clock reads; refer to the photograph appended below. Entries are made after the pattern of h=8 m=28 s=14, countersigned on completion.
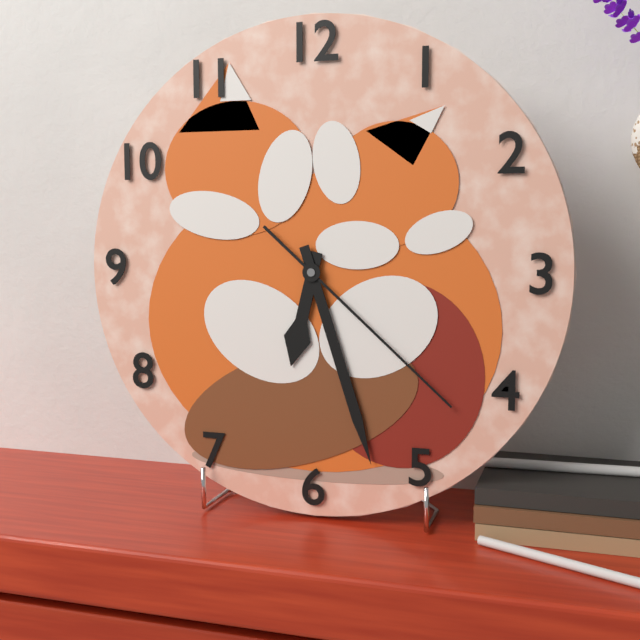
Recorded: h=6 m=27 s=22
